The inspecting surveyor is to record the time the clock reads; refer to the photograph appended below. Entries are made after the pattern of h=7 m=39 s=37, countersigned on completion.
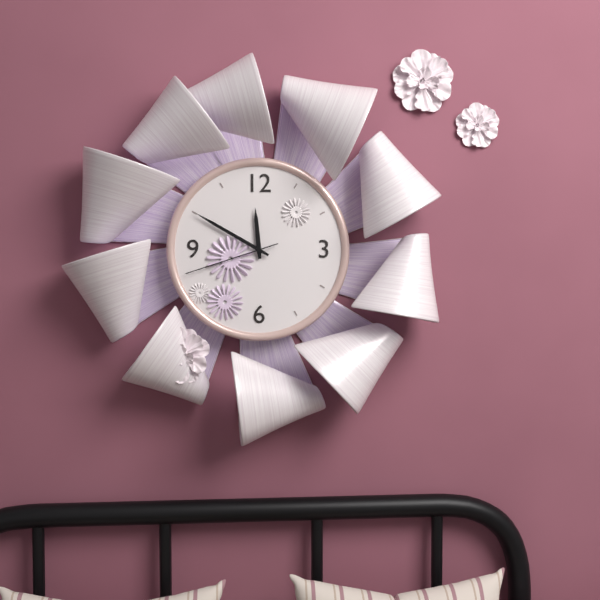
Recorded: h=11 m=50 s=42
